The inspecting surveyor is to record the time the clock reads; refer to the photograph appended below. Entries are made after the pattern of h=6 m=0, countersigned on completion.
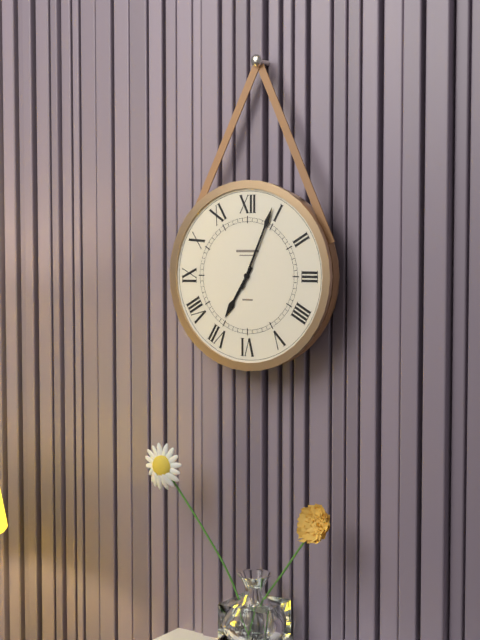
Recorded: h=7 m=4
